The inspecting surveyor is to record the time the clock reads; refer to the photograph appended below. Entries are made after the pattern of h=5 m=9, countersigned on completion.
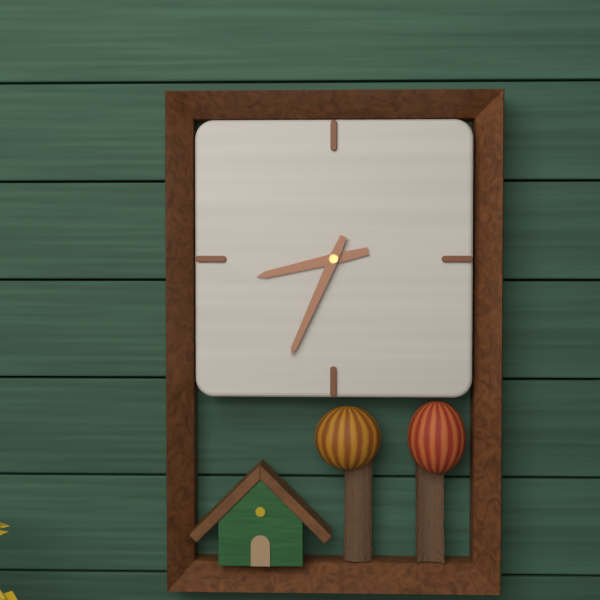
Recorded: h=8 m=34
